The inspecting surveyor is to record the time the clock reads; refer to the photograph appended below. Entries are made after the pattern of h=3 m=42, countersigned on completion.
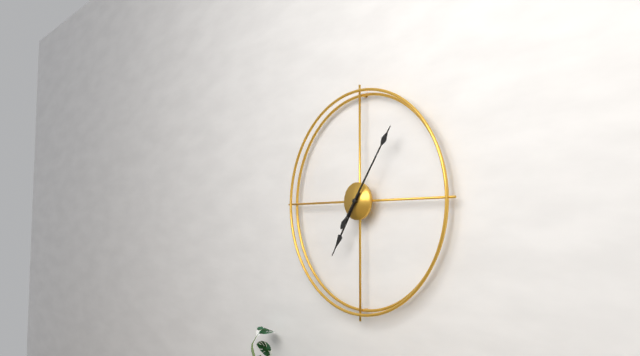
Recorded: h=7 m=6
